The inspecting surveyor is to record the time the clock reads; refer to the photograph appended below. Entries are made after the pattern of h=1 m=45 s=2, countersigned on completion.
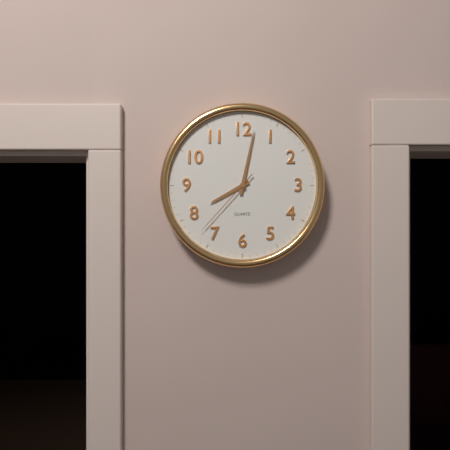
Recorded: h=8 m=2 s=37
